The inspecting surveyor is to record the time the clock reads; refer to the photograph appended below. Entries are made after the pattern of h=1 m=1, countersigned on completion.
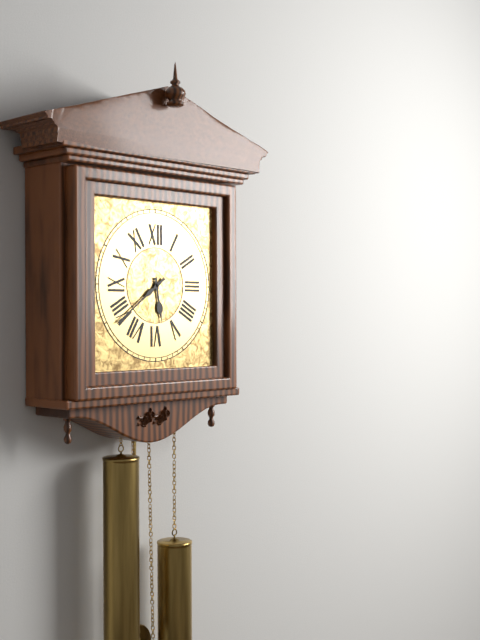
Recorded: h=5 m=39
